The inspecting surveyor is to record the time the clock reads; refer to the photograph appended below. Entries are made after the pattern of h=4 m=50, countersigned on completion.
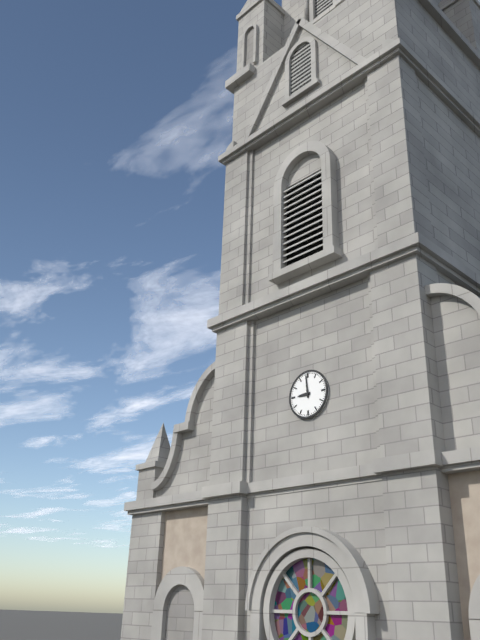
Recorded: h=8 m=59
